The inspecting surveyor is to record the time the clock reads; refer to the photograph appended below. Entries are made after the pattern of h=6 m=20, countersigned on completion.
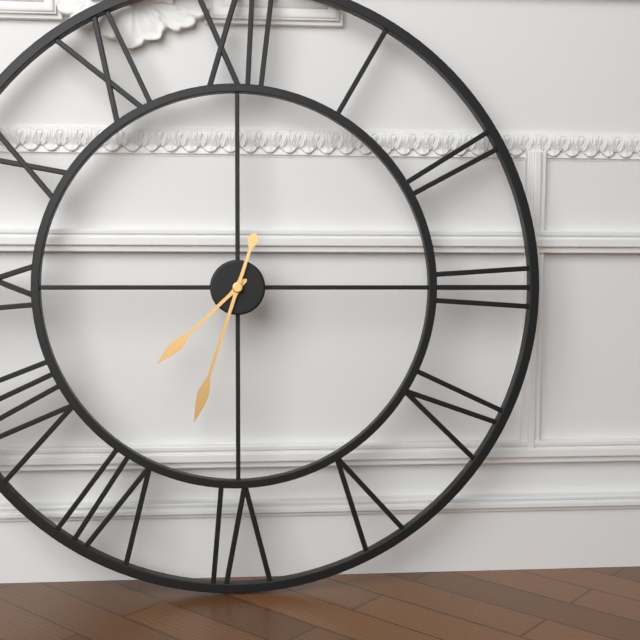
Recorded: h=7 m=33
